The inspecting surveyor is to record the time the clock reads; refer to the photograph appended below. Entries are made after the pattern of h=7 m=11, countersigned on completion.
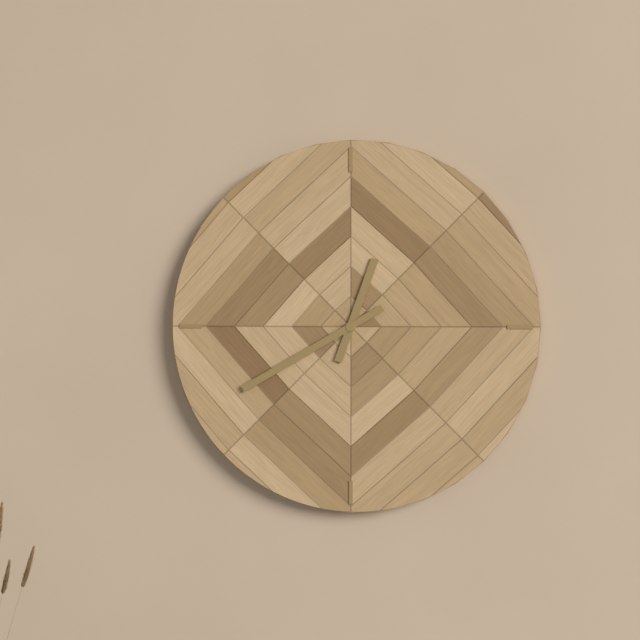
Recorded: h=12 m=40
